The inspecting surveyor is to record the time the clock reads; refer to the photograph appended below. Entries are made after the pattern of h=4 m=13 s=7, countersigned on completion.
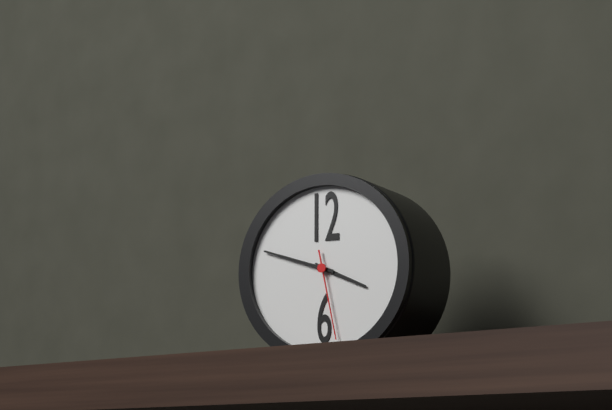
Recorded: h=3 m=48 s=28
